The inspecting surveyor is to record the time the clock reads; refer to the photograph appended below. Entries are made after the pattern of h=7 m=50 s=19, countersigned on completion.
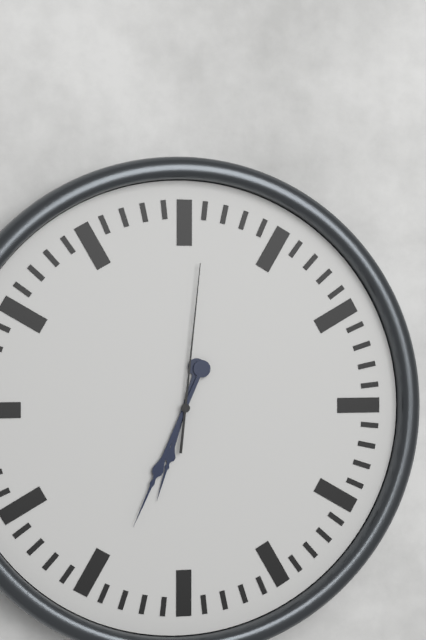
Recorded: h=6 m=34 s=1
